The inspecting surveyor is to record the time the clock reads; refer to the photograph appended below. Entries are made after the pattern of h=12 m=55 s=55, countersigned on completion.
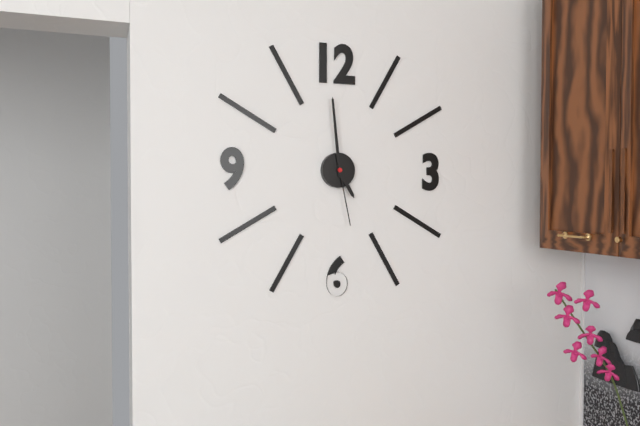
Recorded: h=4 m=59 s=28
